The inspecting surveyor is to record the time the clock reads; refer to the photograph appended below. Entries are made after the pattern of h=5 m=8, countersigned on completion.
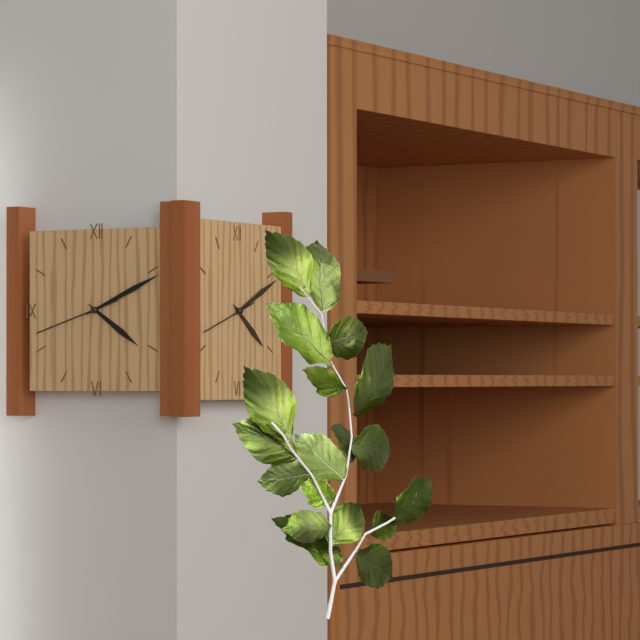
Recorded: h=4 m=11
